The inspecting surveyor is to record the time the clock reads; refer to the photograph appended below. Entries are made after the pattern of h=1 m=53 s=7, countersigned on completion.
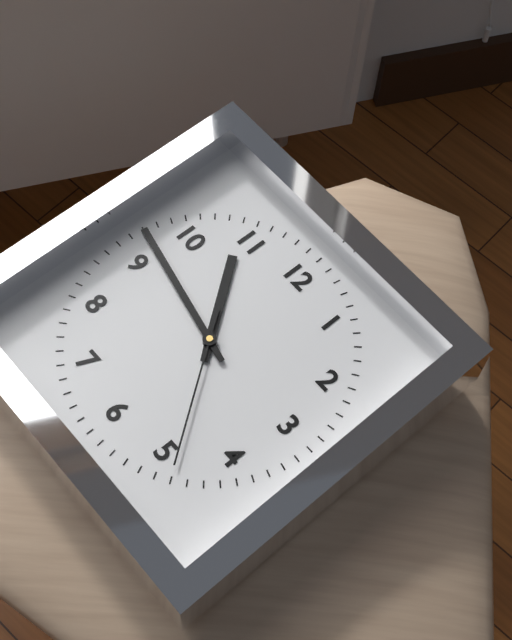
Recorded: h=10 m=47 s=24
